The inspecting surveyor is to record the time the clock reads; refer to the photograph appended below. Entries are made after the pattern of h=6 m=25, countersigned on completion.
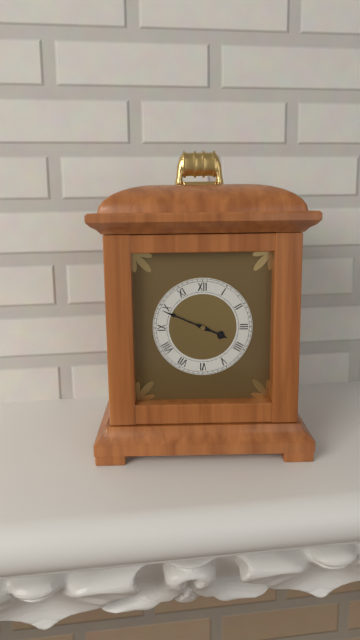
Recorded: h=3 m=49
